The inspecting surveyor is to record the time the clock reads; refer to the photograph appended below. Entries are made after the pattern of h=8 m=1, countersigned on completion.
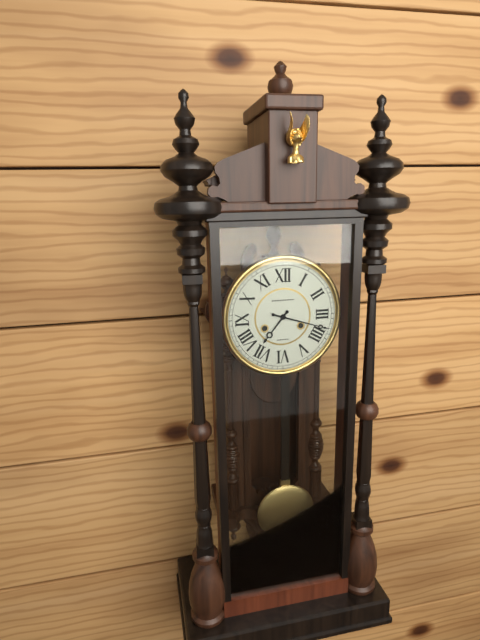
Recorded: h=7 m=18
